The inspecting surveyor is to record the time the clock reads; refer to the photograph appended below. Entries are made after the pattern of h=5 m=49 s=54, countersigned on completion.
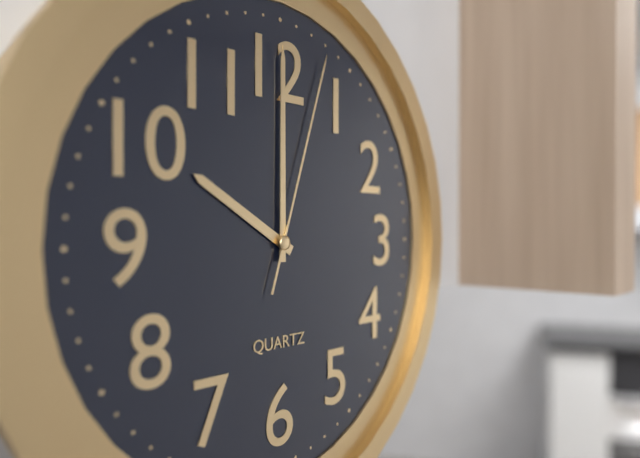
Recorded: h=10 m=0 s=3
